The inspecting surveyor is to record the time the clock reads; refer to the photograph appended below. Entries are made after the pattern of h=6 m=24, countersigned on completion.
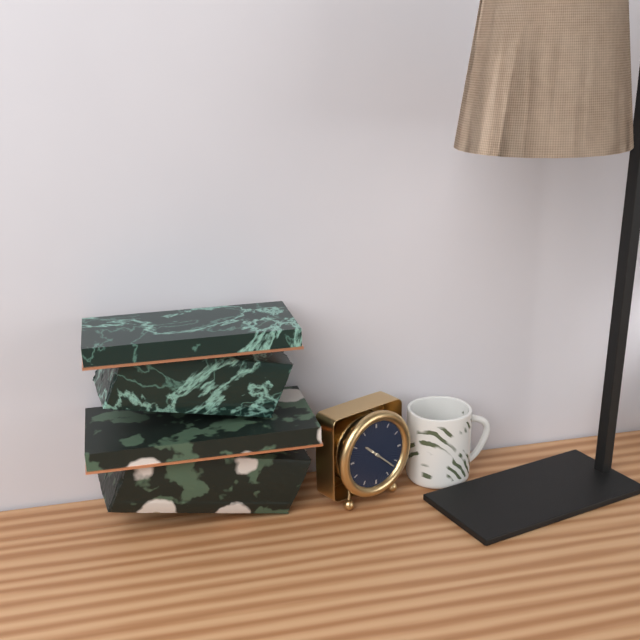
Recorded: h=10 m=22
